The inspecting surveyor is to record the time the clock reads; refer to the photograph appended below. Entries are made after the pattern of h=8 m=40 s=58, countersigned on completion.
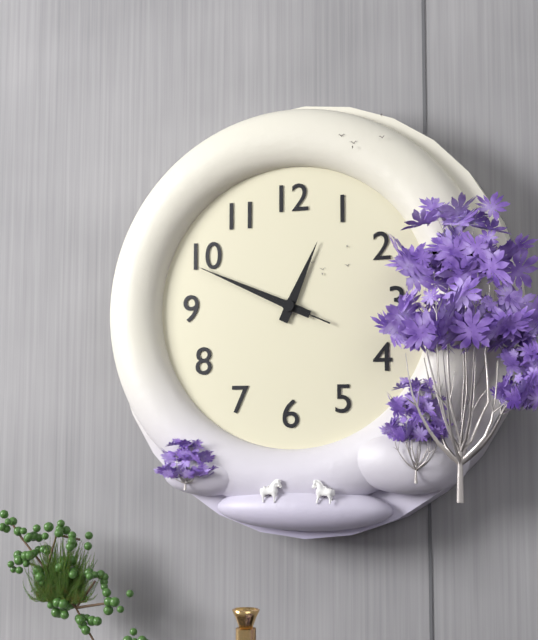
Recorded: h=12 m=49 s=49
